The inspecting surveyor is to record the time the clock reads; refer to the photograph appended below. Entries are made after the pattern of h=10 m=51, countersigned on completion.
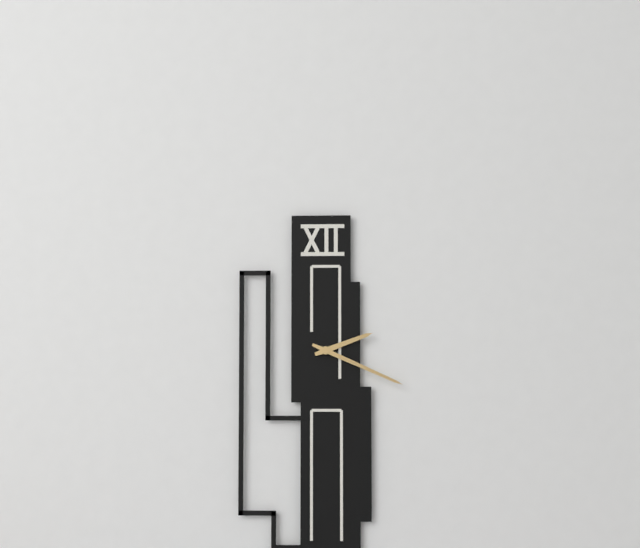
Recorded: h=2 m=19
